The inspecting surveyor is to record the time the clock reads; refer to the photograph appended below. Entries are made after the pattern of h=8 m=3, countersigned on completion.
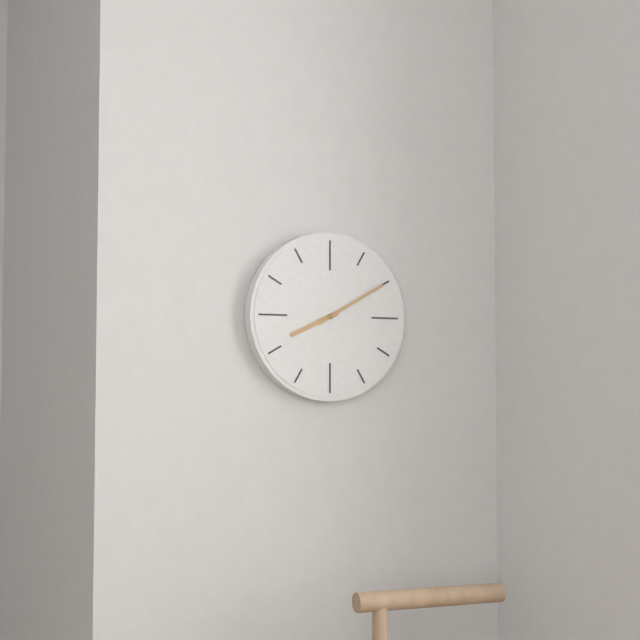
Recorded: h=8 m=10
